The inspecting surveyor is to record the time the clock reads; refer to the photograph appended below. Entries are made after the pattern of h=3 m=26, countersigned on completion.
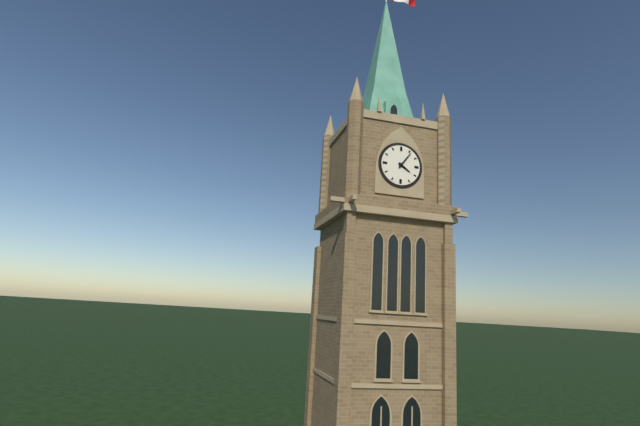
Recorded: h=4 m=6
